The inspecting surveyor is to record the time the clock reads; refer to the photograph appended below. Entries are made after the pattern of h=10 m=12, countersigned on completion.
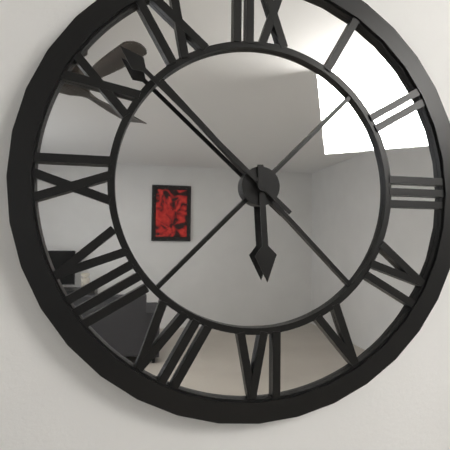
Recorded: h=5 m=52
